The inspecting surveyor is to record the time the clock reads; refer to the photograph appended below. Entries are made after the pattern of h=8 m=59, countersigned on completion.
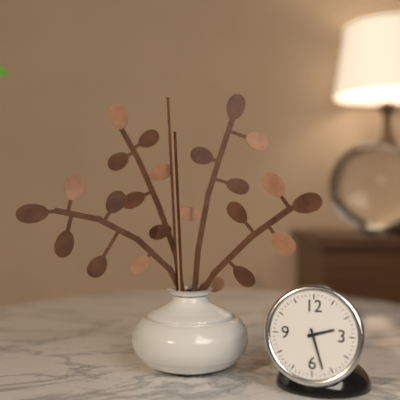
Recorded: h=2 m=27
